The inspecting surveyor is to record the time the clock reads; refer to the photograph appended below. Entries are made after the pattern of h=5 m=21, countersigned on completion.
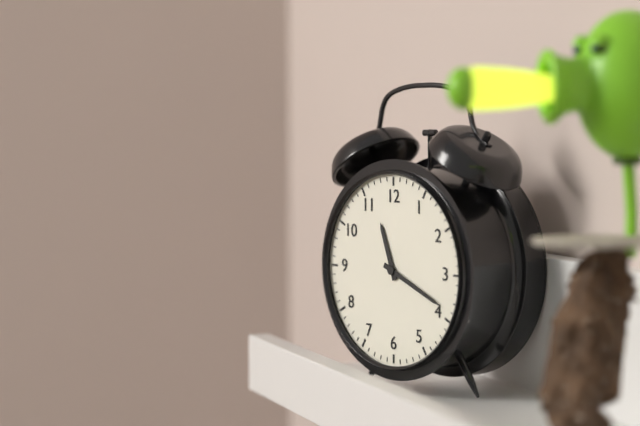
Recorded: h=11 m=19
